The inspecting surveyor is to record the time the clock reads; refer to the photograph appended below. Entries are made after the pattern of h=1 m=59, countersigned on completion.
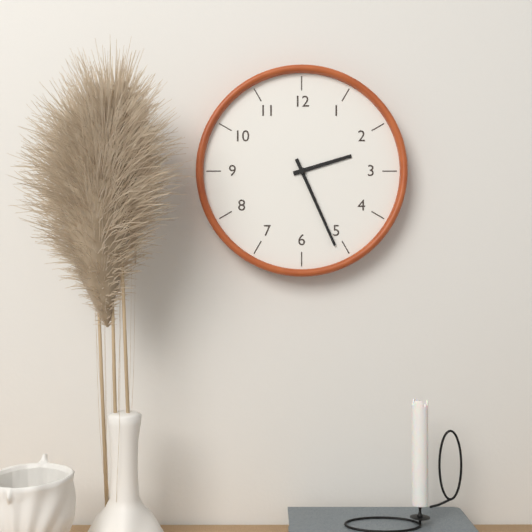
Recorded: h=2 m=26
